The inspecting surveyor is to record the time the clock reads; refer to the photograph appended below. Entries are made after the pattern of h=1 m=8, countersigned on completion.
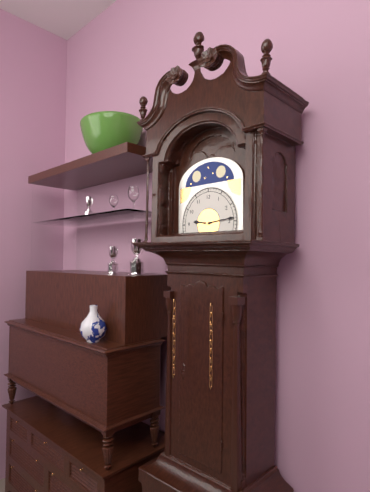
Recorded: h=9 m=14
